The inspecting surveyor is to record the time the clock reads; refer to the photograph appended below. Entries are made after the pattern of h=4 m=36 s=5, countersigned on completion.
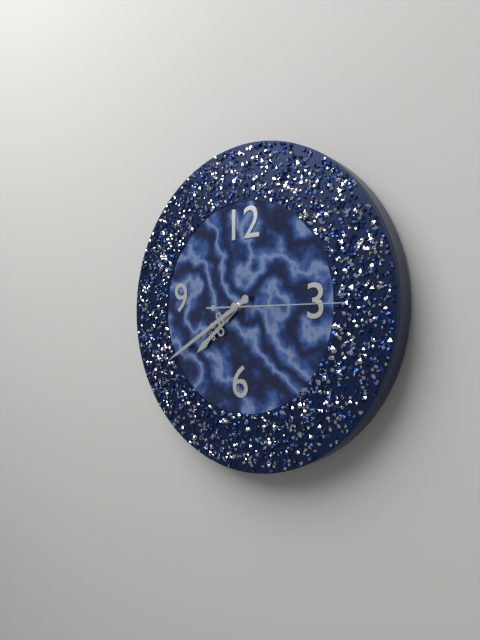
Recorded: h=7 m=40 s=15
